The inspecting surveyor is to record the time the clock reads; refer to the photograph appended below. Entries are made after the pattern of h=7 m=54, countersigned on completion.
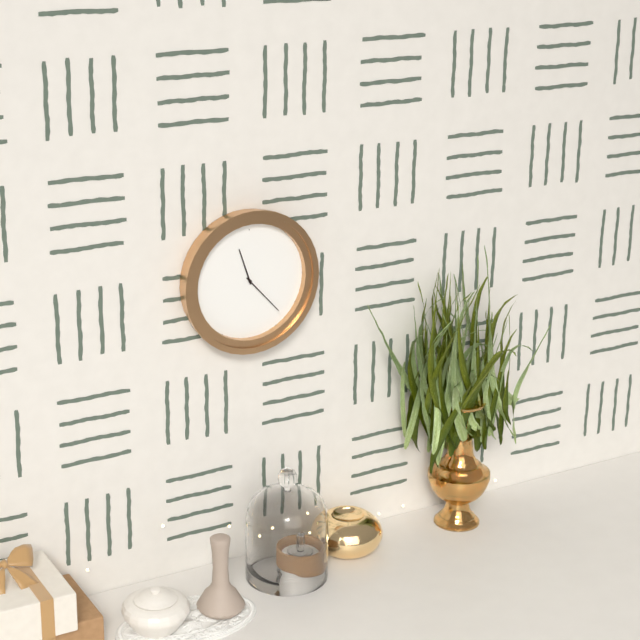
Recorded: h=11 m=23
